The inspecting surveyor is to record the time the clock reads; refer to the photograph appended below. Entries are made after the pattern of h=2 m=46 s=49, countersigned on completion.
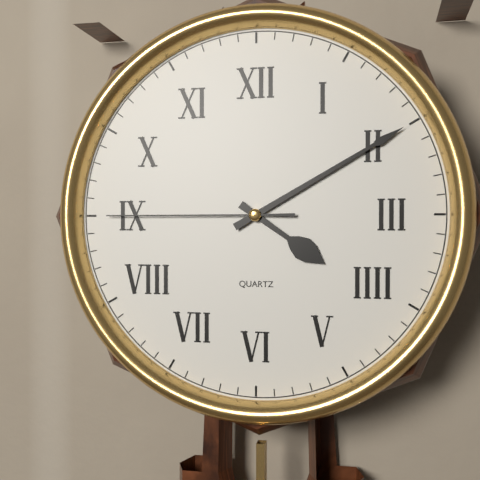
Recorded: h=4 m=10 s=45
